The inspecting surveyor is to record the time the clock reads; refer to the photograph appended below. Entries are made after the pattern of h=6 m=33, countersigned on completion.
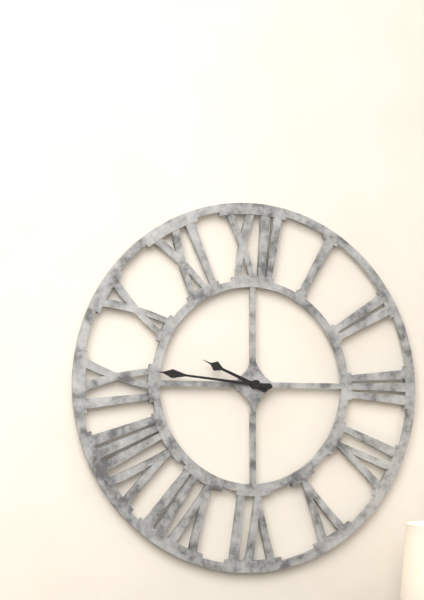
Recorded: h=9 m=46
